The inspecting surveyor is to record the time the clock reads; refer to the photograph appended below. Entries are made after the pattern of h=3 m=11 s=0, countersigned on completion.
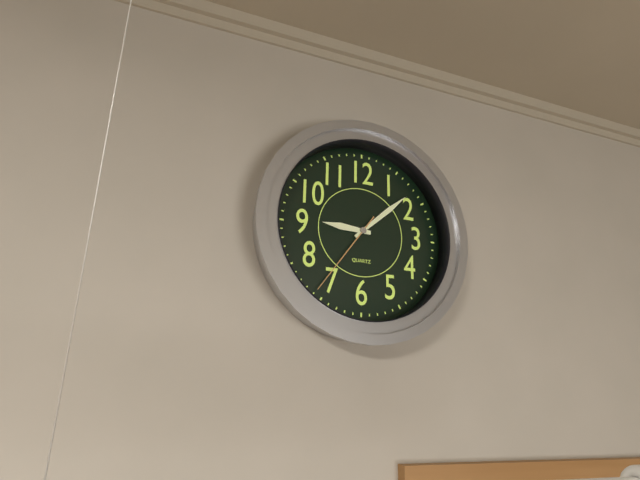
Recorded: h=9 m=8 s=36
